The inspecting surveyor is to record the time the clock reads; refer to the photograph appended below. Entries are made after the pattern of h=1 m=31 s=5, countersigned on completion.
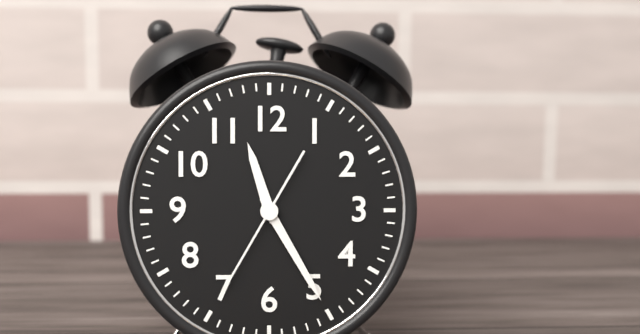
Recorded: h=11 m=25 s=35
